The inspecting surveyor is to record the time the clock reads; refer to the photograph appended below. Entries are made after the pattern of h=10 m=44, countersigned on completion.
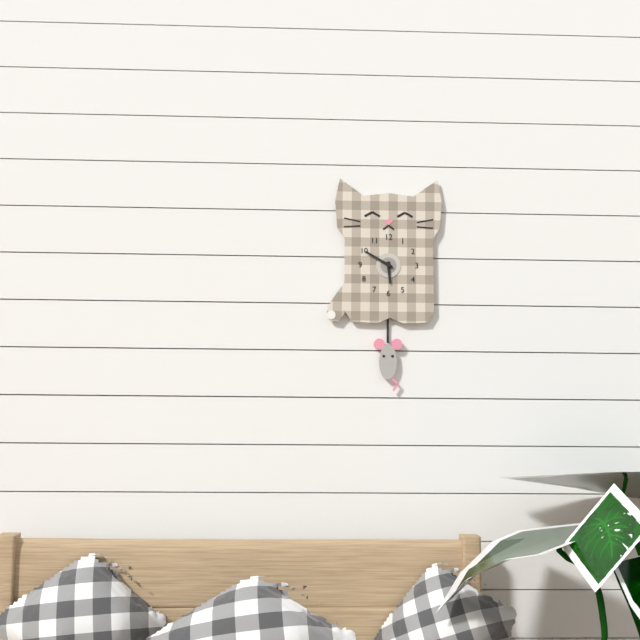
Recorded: h=5 m=50
